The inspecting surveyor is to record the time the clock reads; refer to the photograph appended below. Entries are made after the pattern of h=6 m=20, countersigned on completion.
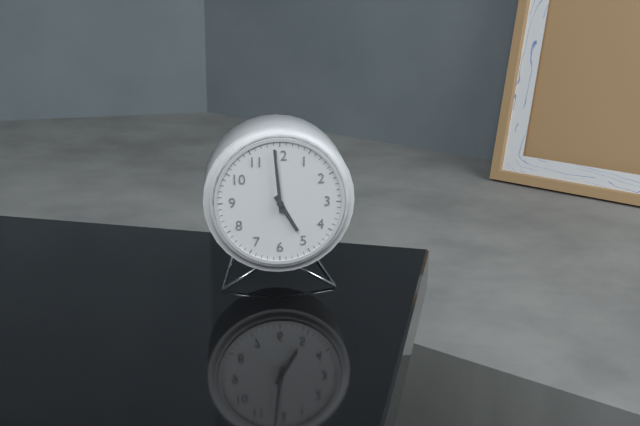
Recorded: h=4 m=59
